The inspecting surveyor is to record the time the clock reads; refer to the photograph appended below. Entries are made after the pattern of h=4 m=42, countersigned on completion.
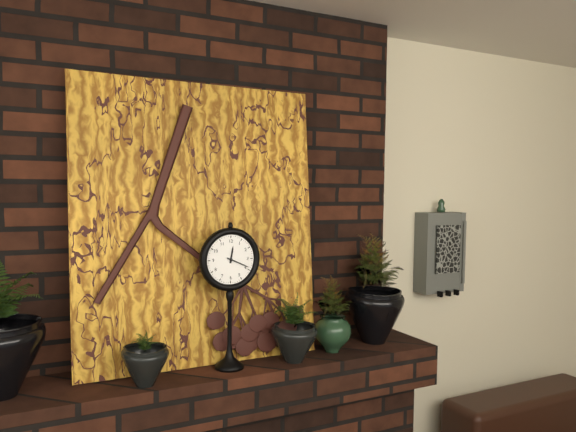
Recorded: h=12 m=19
